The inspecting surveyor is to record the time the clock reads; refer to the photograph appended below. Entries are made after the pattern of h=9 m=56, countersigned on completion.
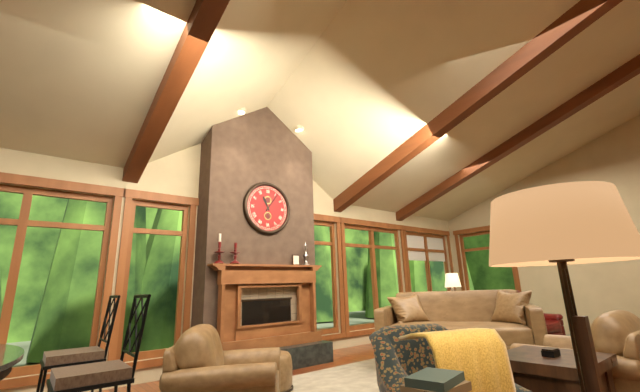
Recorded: h=11 m=6
